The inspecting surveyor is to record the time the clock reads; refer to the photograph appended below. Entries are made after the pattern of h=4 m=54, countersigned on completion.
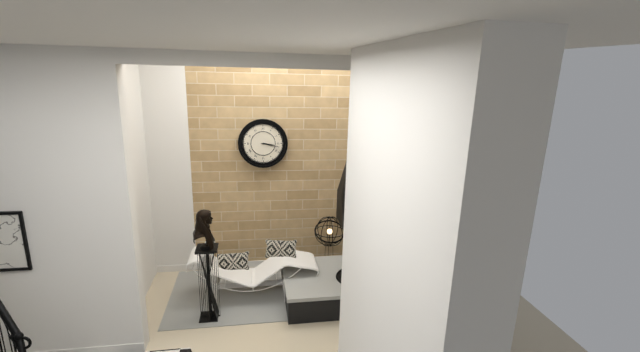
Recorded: h=3 m=17
